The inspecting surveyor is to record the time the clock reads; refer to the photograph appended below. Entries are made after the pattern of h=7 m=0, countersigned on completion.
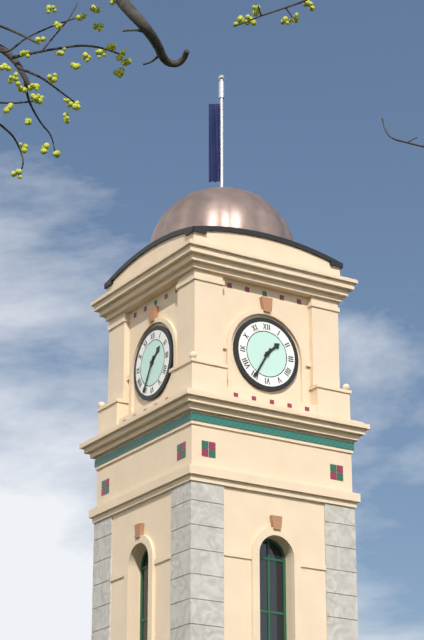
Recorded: h=1 m=35
